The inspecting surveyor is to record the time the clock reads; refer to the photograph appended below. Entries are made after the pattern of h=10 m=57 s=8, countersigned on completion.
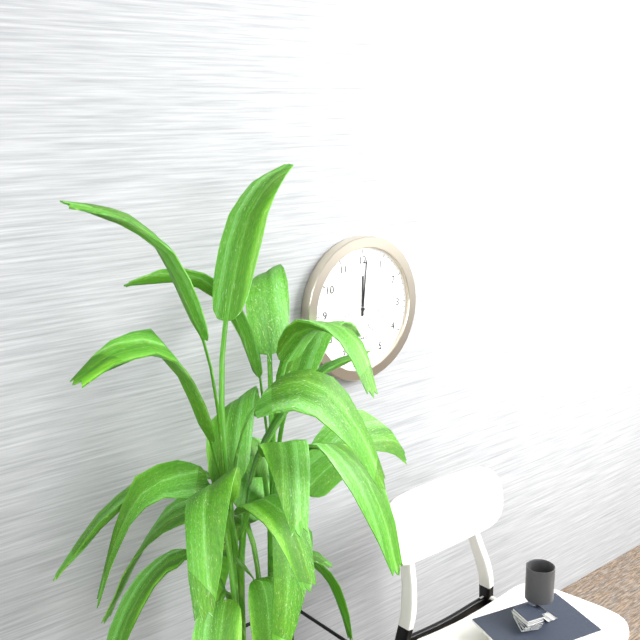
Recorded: h=12 m=1 s=25
